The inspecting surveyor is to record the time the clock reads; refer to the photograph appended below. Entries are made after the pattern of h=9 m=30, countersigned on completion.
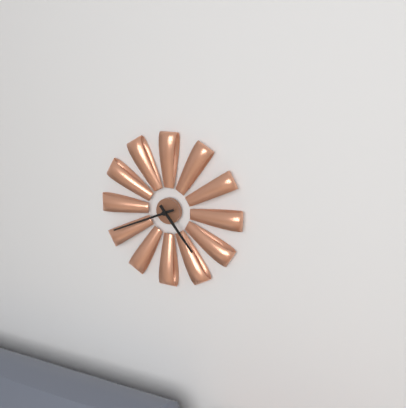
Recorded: h=4 m=41
